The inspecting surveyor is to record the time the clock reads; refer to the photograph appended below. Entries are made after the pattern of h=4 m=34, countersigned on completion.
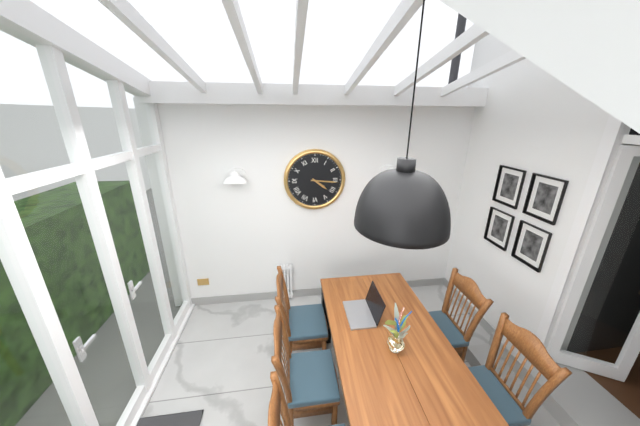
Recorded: h=4 m=16
